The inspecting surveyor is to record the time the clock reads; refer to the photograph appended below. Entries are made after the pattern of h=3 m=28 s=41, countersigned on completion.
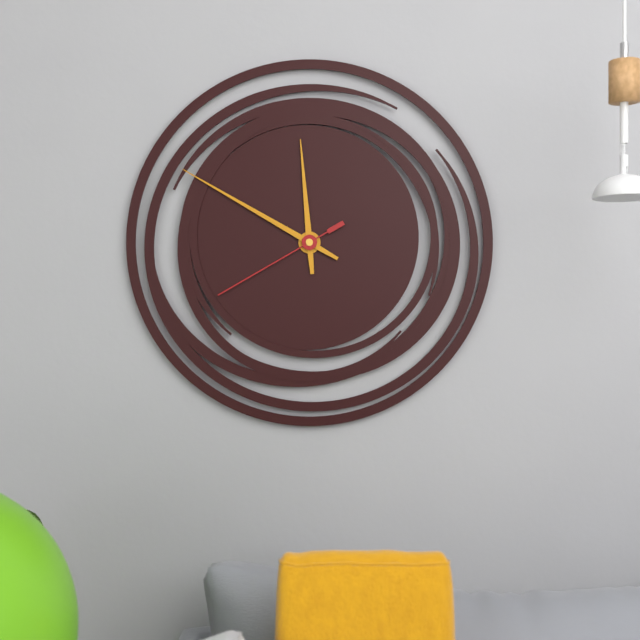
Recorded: h=11 m=50 s=40
